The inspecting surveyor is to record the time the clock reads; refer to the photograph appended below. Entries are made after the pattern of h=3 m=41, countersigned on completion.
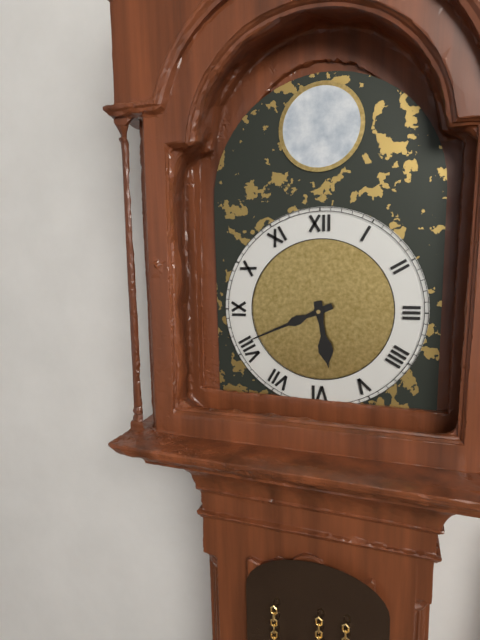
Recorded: h=5 m=41
